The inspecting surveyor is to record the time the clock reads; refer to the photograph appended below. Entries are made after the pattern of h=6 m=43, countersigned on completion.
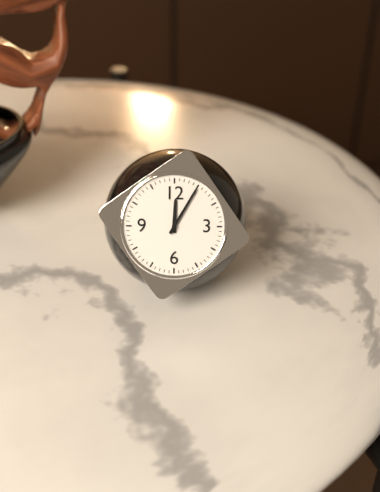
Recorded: h=12 m=5
